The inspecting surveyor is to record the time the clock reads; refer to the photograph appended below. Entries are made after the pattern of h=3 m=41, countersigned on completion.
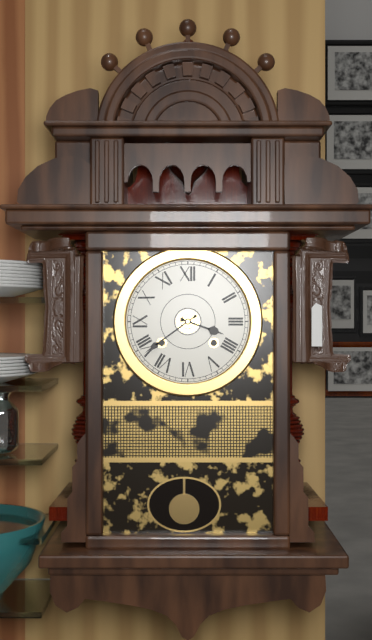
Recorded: h=3 m=39
